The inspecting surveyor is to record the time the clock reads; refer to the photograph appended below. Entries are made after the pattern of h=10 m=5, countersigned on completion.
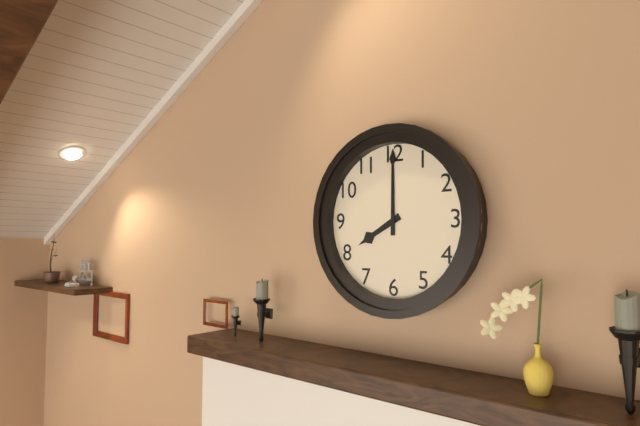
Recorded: h=8 m=0
